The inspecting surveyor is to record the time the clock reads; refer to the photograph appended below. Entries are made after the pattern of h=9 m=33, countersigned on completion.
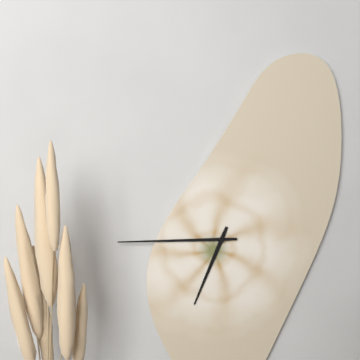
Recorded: h=6 m=45
